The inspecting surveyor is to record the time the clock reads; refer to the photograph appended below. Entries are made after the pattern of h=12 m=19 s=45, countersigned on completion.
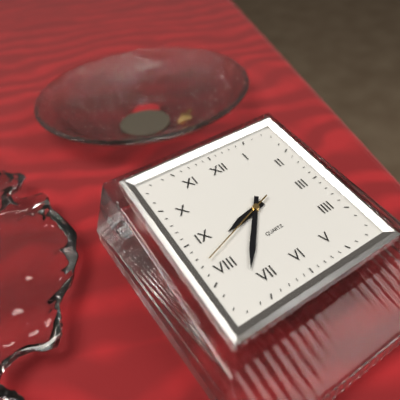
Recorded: h=8 m=37 s=42
